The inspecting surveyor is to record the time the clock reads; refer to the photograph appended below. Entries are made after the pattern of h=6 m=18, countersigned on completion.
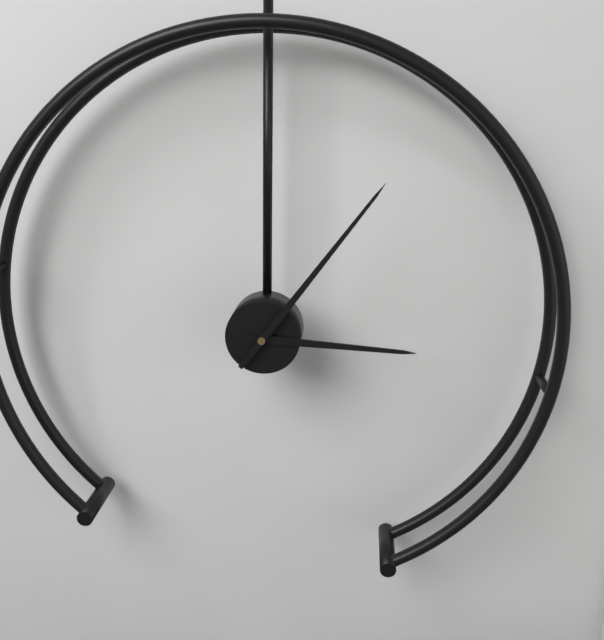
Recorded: h=3 m=6
